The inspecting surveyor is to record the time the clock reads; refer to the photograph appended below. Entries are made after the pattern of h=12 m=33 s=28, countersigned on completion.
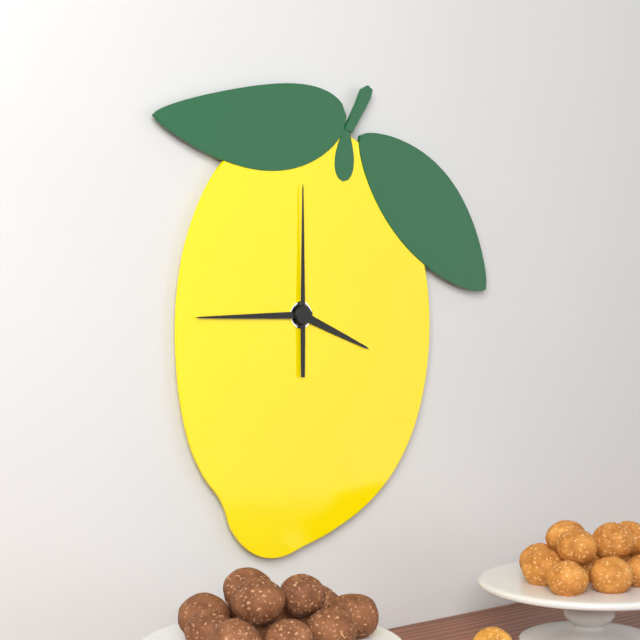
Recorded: h=3 m=45 s=0
